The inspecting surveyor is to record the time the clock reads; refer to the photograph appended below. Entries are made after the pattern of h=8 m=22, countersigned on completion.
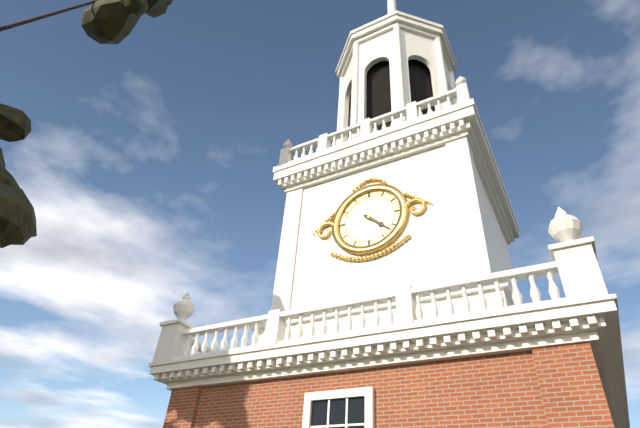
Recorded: h=4 m=22
